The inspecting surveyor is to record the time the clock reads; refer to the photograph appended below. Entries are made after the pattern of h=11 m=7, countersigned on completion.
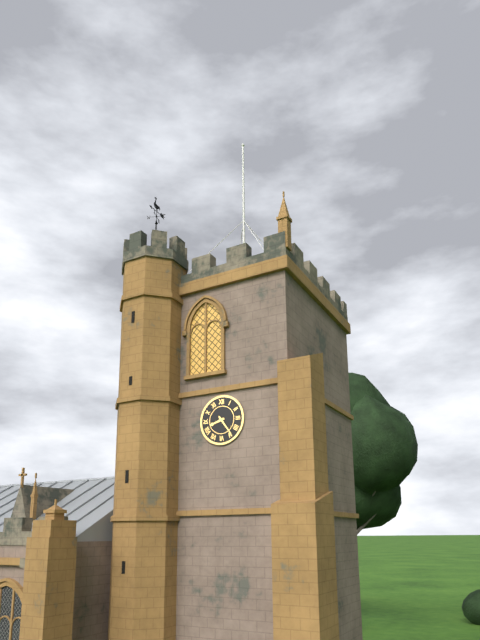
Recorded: h=8 m=24
